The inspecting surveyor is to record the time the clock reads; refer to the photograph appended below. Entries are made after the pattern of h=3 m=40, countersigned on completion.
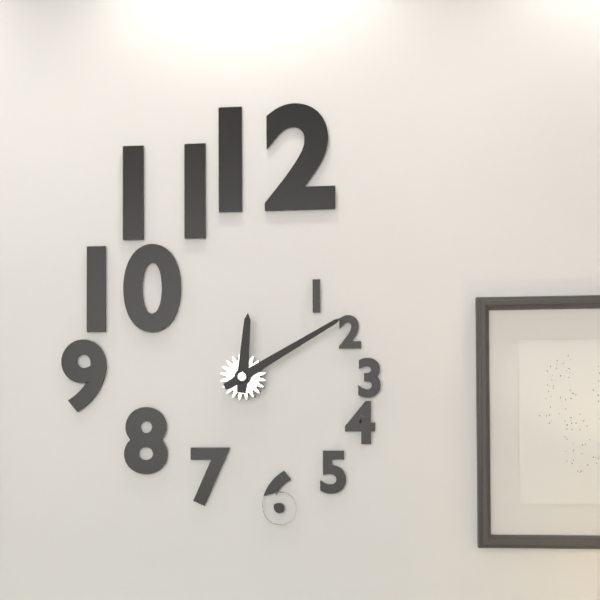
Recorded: h=12 m=10
